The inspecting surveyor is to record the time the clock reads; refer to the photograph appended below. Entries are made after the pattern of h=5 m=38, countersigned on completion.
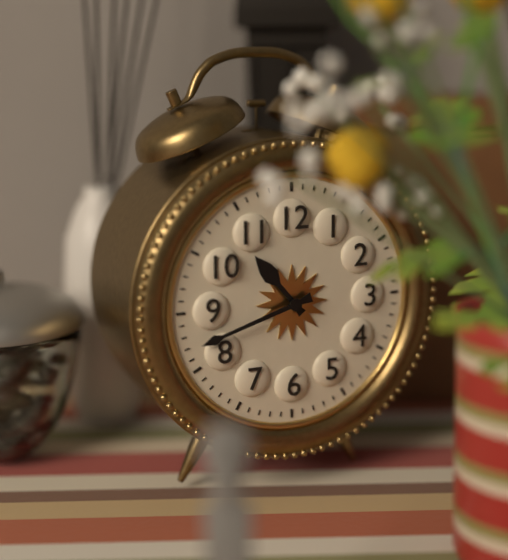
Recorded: h=10 m=42
